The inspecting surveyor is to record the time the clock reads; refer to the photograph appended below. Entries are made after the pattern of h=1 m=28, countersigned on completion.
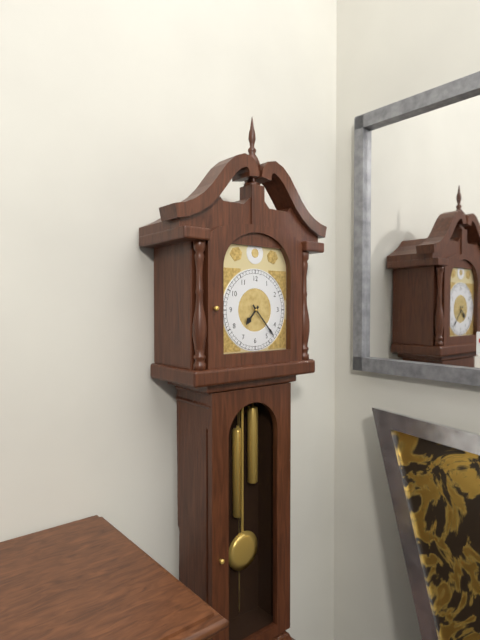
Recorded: h=7 m=23
